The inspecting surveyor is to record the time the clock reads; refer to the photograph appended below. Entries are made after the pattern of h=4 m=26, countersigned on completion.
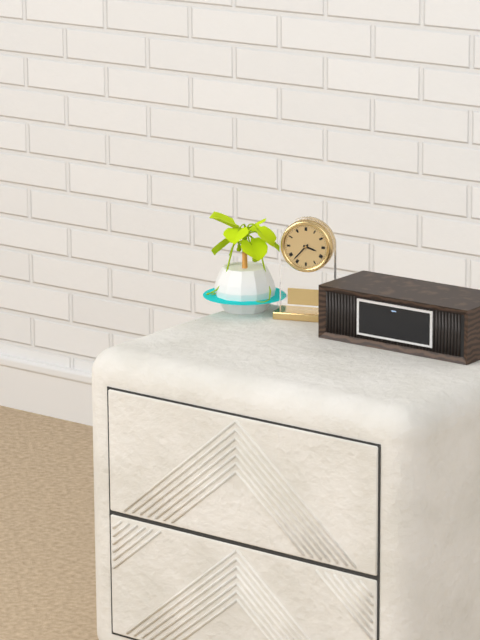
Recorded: h=3 m=37
